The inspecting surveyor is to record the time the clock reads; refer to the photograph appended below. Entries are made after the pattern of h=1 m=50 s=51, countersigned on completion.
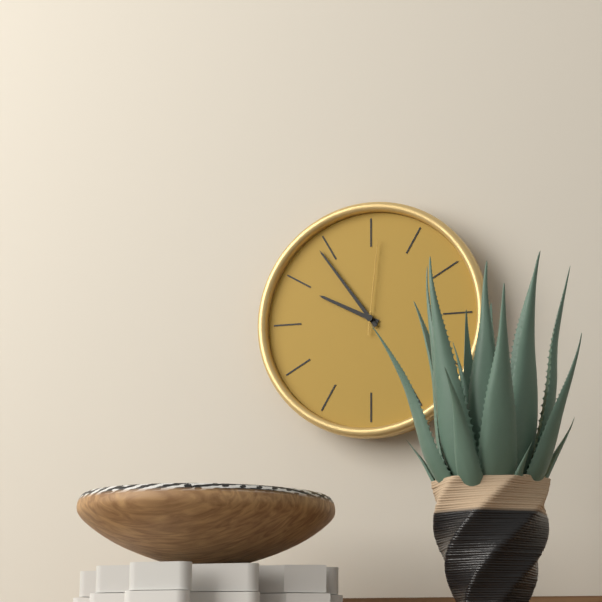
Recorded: h=9 m=54 s=1
